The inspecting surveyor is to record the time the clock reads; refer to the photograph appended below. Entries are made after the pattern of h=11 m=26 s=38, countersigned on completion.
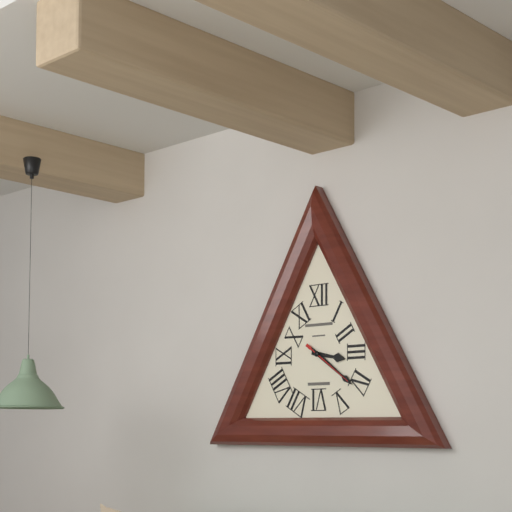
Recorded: h=3 m=21 s=21
